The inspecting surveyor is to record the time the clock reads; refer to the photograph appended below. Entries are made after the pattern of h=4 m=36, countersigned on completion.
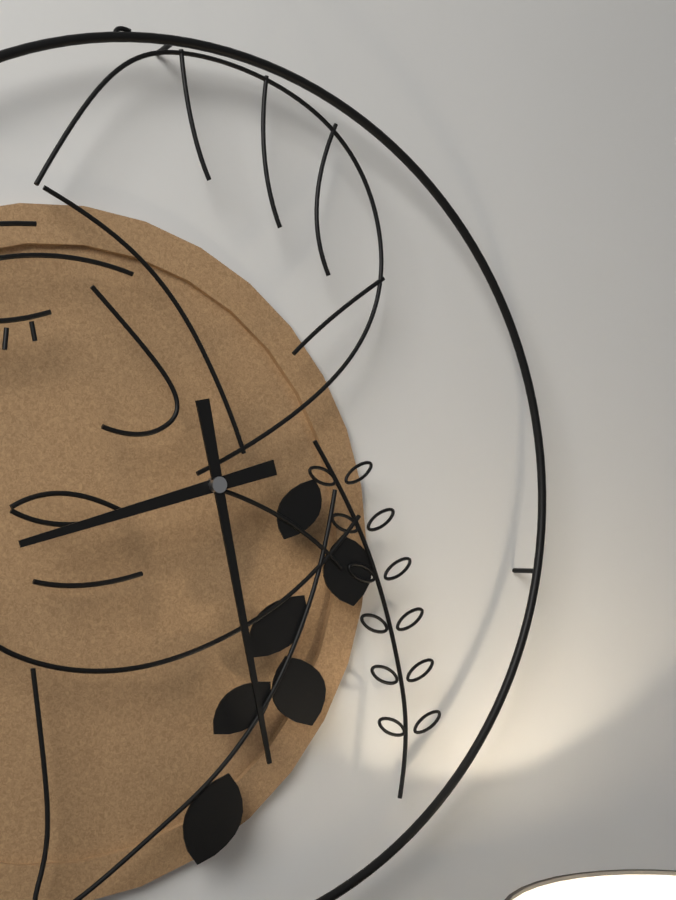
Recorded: h=8 m=28
